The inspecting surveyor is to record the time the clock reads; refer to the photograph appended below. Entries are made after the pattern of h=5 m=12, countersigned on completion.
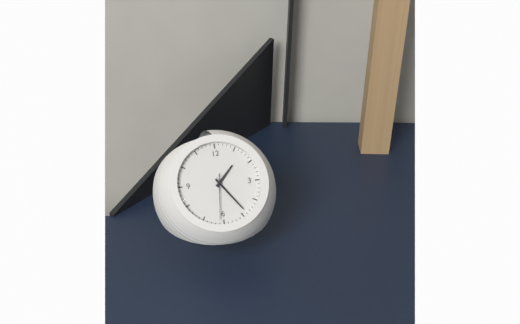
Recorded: h=1 m=24
